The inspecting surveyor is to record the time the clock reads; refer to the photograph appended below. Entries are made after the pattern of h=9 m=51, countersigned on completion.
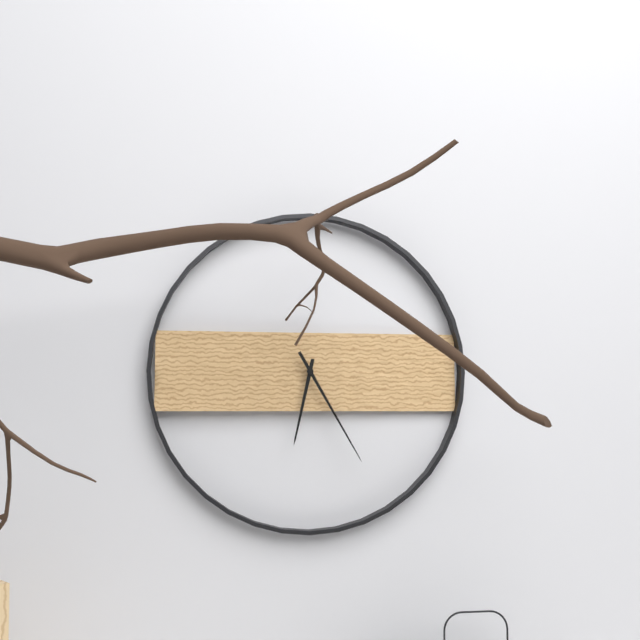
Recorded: h=6 m=25
